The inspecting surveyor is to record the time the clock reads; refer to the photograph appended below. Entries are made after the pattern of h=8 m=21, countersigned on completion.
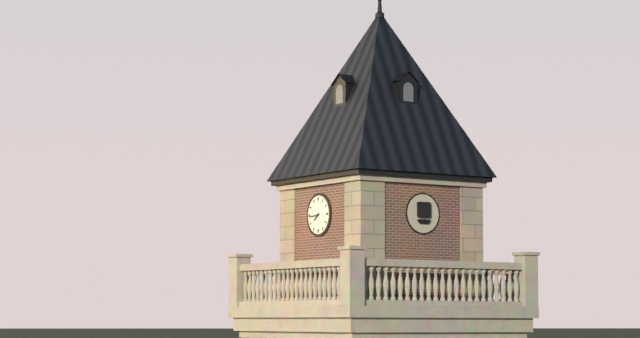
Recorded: h=7 m=44
